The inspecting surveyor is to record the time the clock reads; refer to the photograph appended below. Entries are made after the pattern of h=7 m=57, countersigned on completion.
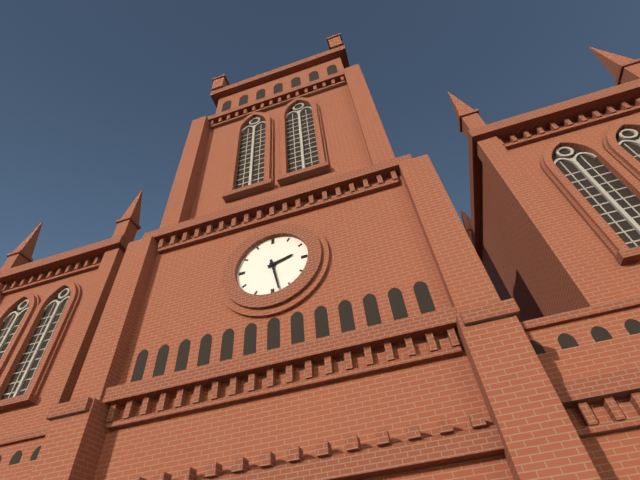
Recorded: h=2 m=28
